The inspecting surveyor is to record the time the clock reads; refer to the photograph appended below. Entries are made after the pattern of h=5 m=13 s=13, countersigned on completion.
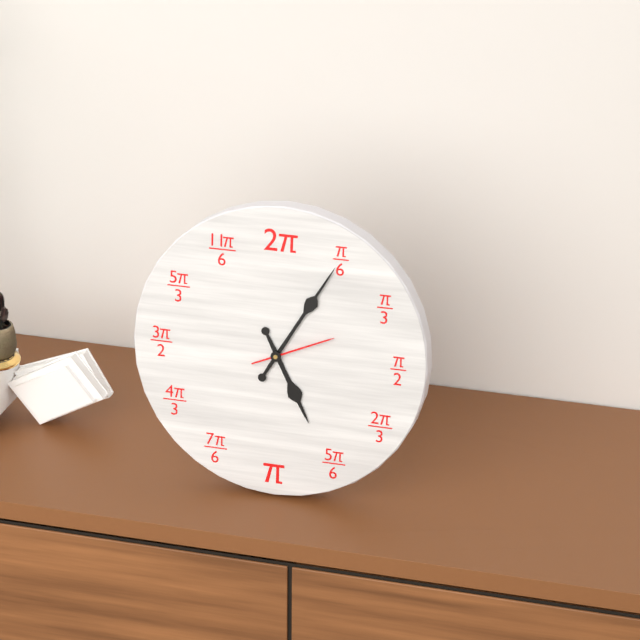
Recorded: h=5 m=5 s=11
